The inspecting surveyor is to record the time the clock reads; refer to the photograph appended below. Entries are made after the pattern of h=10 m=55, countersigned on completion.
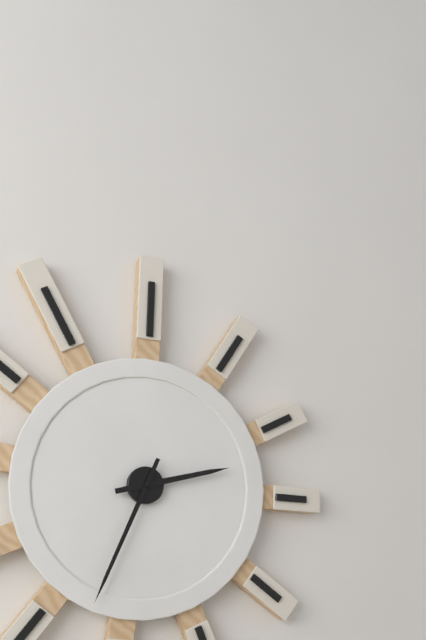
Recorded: h=2 m=34
